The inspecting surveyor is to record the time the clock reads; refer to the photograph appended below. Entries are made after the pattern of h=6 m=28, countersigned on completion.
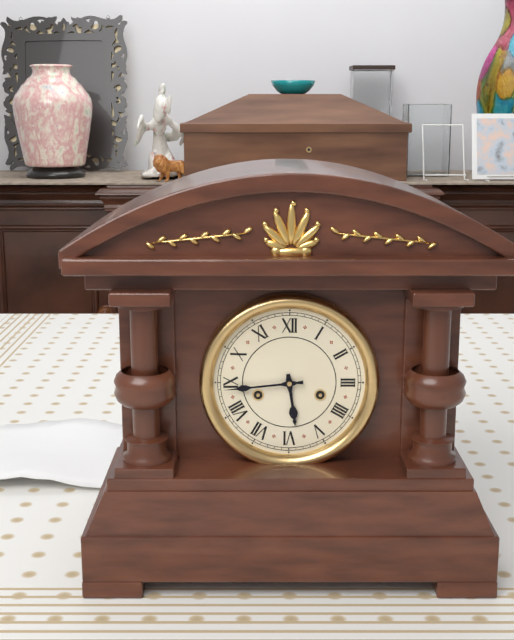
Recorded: h=5 m=44
